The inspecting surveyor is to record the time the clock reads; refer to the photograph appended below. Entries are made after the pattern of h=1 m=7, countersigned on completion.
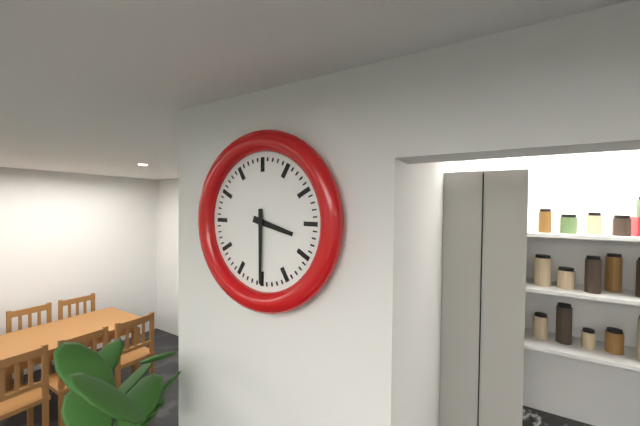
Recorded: h=3 m=30
